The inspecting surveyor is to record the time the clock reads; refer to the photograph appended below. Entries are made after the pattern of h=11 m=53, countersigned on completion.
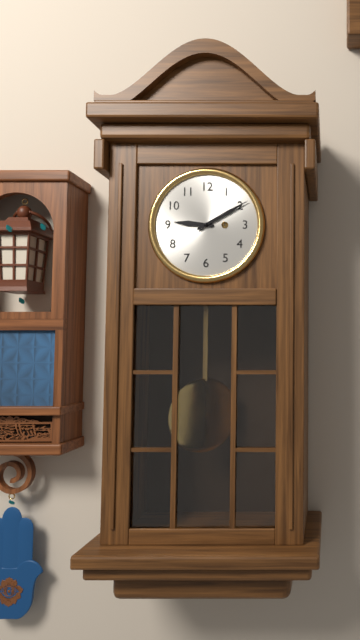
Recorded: h=9 m=10
